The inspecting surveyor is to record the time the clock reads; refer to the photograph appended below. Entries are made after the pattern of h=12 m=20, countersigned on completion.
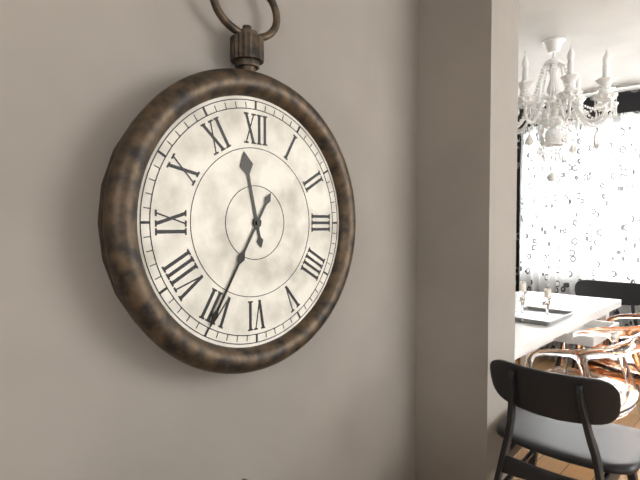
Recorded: h=11 m=35
